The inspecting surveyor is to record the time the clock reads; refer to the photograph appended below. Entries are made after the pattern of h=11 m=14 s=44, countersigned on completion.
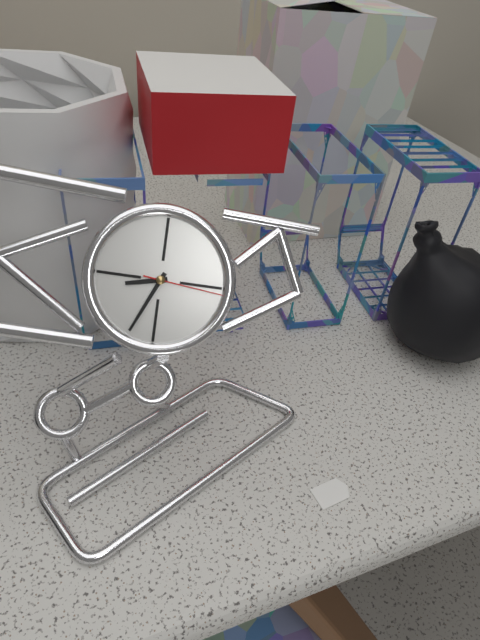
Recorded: h=8 m=34 s=16
